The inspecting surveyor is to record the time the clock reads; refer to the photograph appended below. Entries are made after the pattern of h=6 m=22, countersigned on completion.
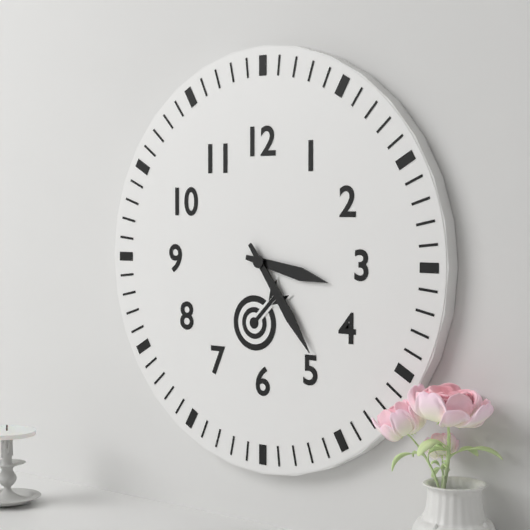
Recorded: h=3 m=24
